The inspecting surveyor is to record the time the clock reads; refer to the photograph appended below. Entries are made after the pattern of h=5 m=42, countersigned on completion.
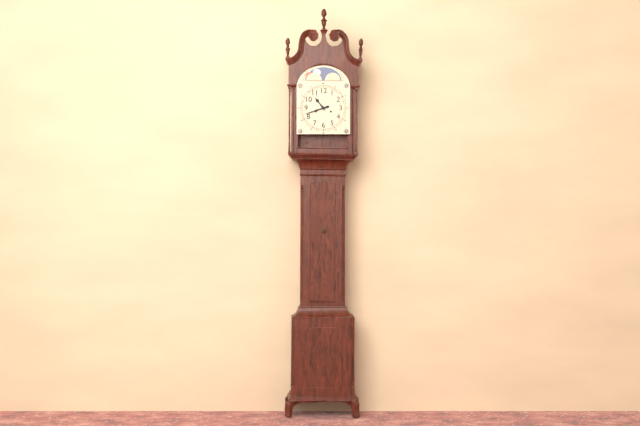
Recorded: h=10 m=42
